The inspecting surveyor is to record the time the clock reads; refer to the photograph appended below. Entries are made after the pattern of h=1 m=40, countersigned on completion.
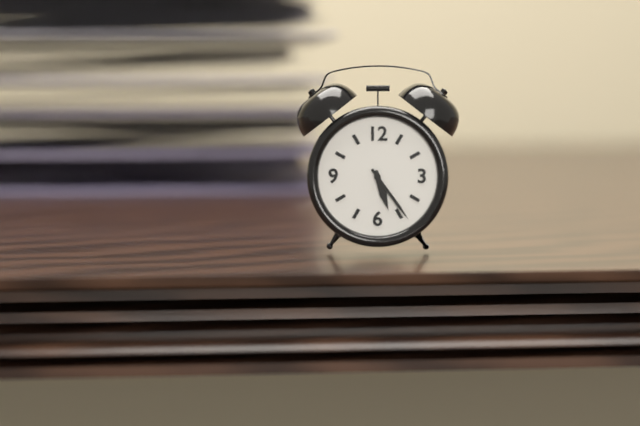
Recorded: h=5 m=24
